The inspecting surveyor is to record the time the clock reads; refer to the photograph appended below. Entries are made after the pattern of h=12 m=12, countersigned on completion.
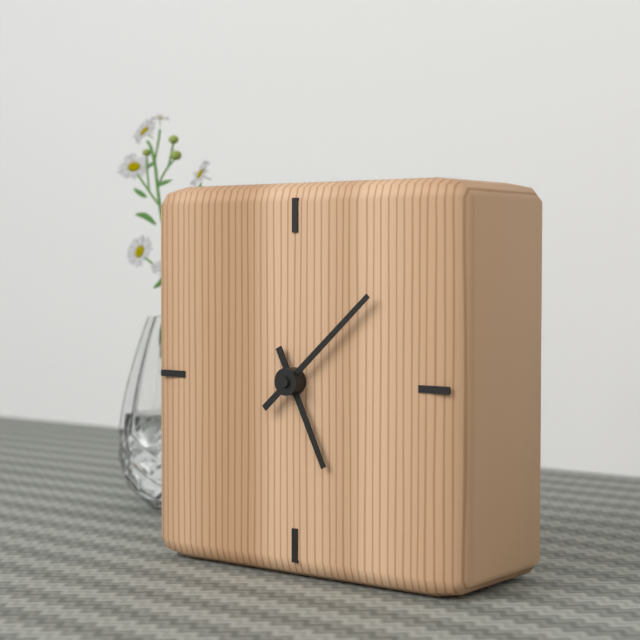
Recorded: h=5 m=8
